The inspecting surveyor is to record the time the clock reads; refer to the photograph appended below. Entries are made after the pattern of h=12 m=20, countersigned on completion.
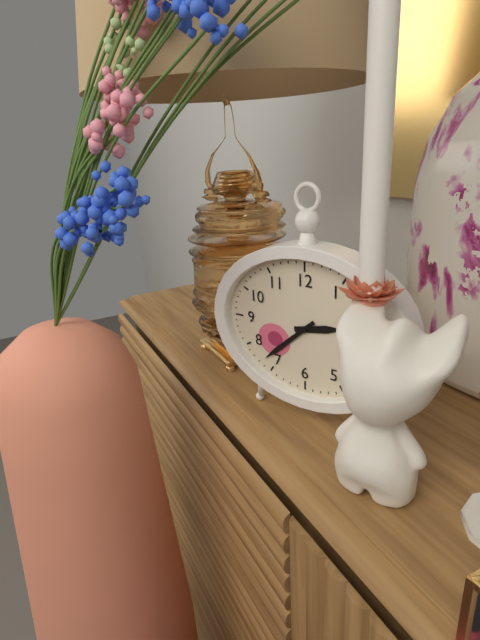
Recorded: h=2 m=38
